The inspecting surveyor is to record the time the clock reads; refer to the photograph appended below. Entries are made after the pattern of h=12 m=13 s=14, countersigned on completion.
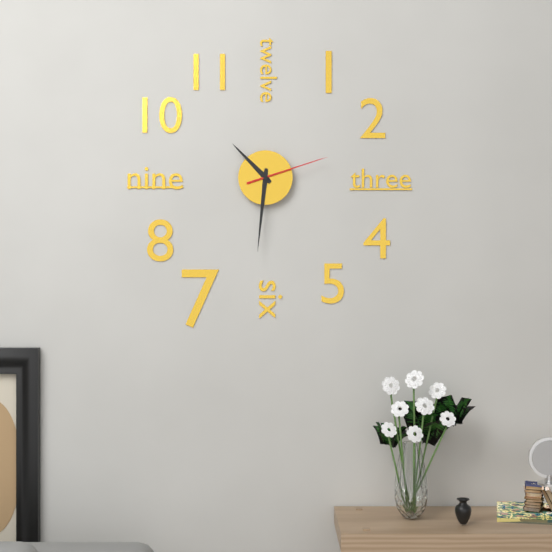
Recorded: h=10 m=31 s=12
